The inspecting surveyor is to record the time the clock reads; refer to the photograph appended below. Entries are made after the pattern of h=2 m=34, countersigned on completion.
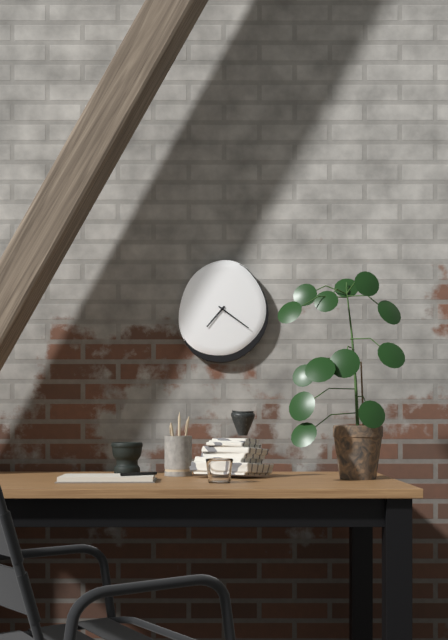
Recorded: h=7 m=21
